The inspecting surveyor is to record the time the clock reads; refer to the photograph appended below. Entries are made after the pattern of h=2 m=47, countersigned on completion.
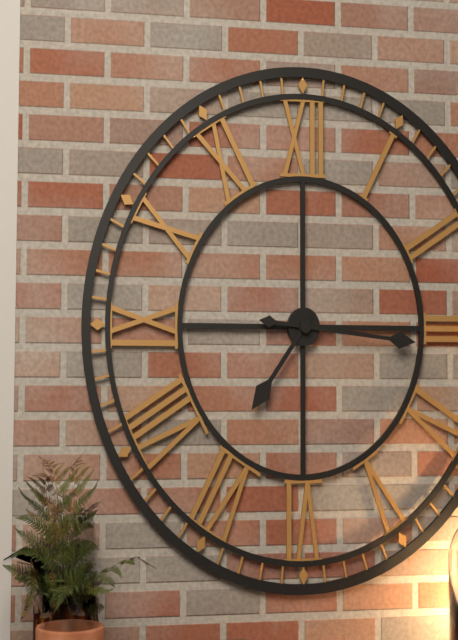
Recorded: h=7 m=16
